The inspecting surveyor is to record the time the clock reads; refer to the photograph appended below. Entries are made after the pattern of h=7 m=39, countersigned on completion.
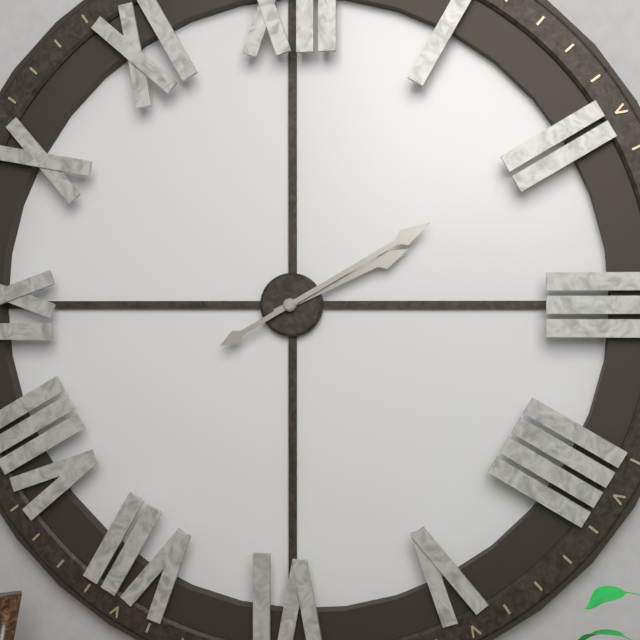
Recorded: h=2 m=10
